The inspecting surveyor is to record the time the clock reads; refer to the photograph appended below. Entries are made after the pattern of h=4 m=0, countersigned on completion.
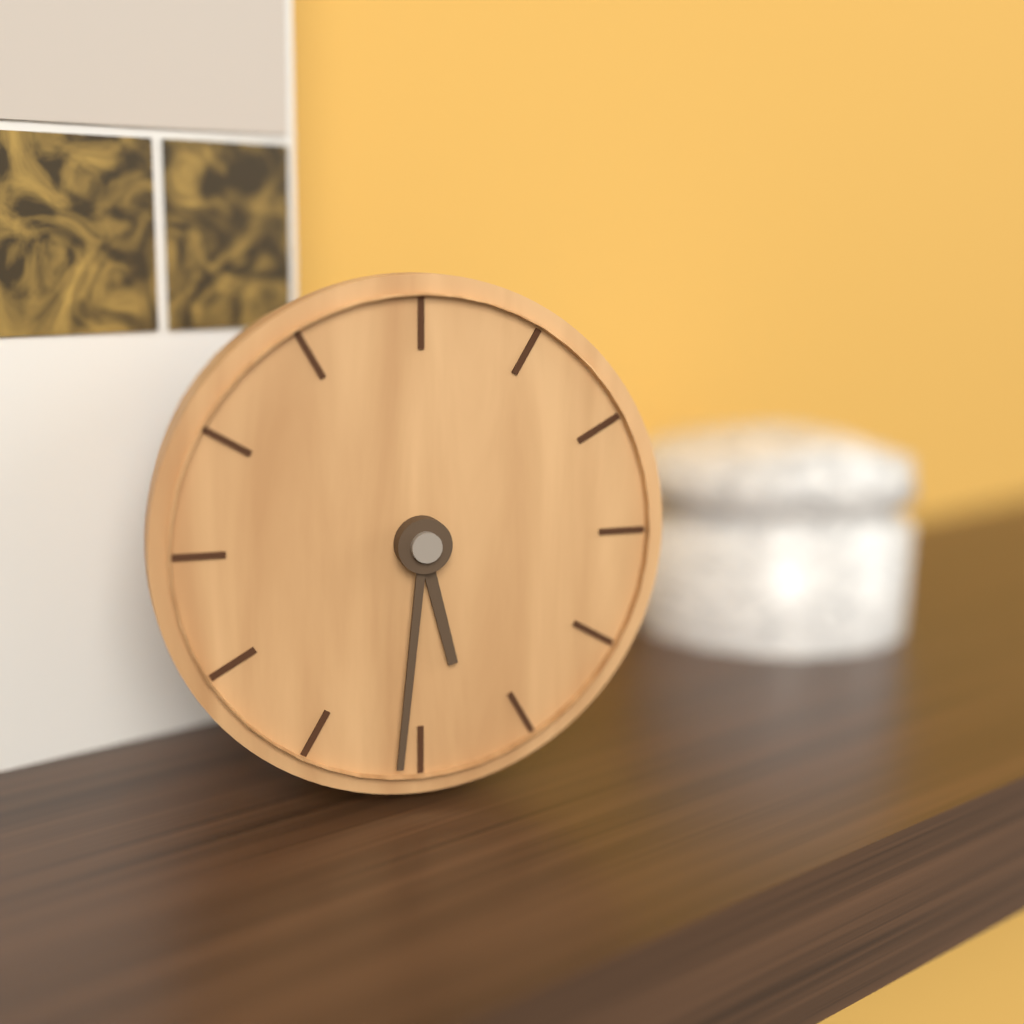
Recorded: h=5 m=31
